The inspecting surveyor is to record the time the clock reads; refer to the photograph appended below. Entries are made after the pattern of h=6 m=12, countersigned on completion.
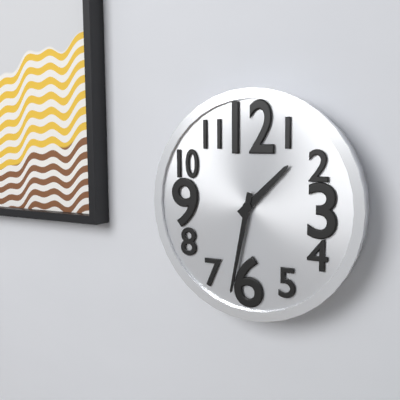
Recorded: h=1 m=32
